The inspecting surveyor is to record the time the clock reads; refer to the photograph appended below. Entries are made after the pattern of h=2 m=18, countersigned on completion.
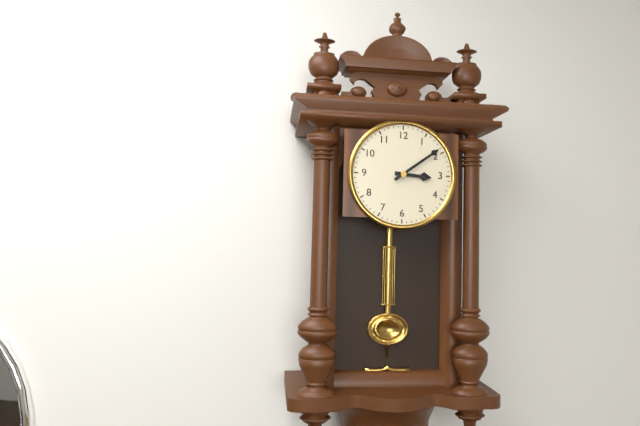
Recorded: h=3 m=9
